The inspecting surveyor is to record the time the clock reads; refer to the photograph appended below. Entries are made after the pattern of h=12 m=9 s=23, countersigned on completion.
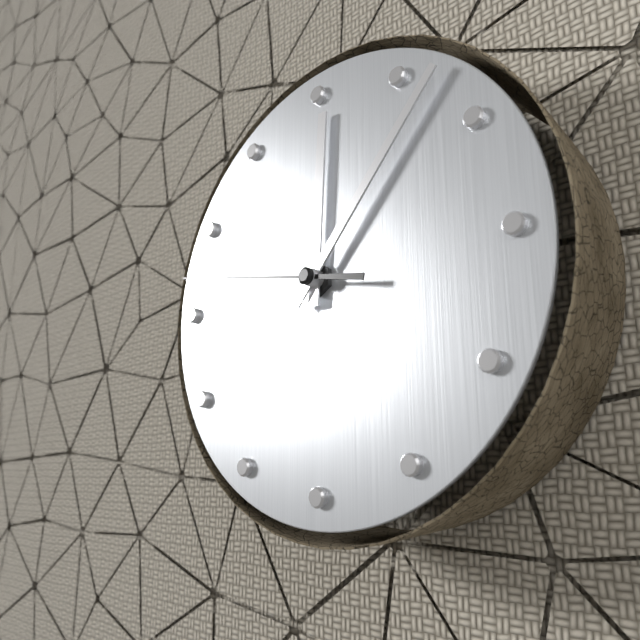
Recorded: h=12 m=7 s=47
